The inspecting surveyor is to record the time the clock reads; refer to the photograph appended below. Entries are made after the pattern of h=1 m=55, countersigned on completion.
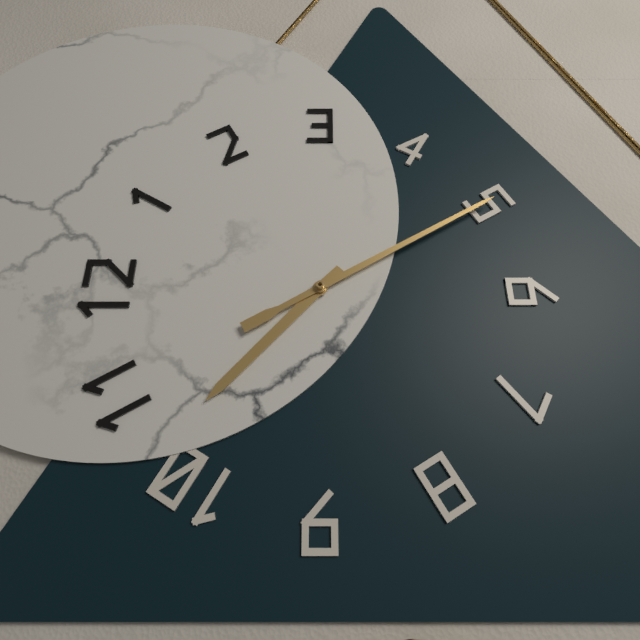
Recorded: h=10 m=25
